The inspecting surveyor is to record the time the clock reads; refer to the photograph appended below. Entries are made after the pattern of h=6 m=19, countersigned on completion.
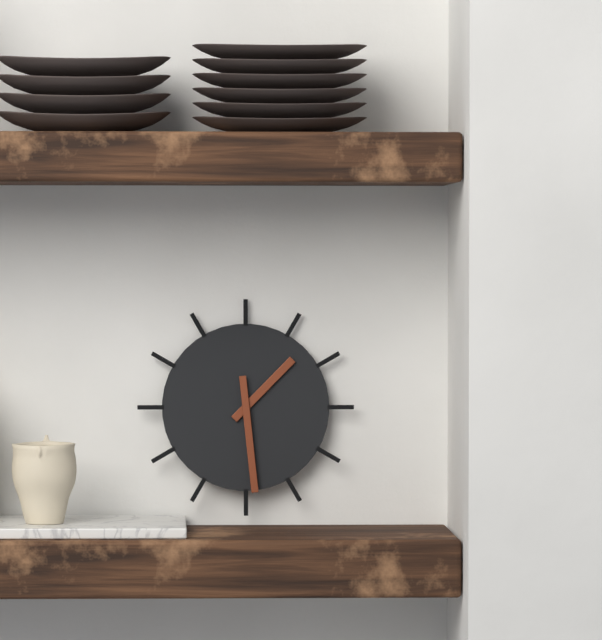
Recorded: h=1 m=29
